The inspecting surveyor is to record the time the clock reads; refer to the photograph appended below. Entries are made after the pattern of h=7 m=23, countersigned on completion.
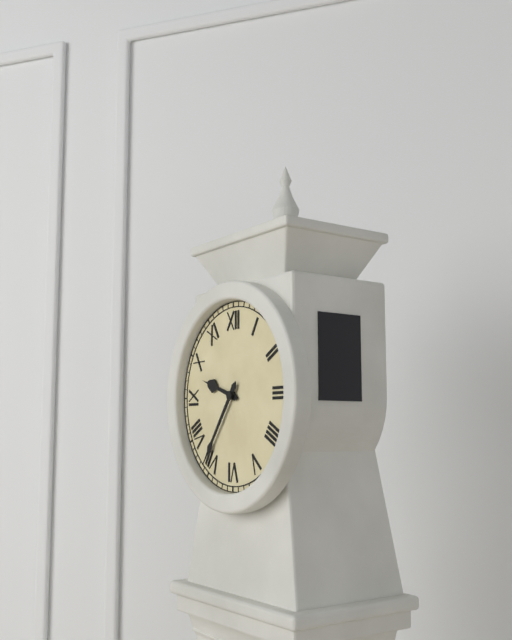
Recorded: h=9 m=36
